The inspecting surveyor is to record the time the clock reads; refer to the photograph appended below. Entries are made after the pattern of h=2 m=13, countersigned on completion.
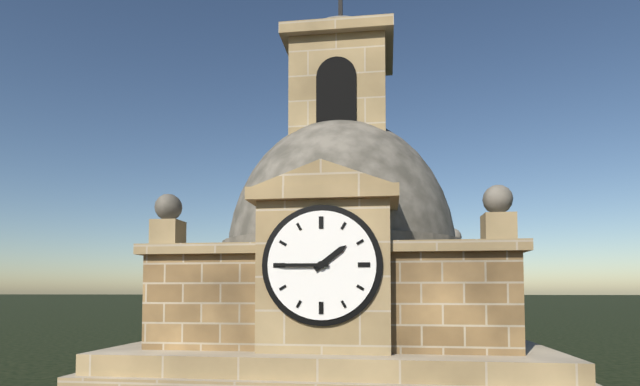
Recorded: h=1 m=45
